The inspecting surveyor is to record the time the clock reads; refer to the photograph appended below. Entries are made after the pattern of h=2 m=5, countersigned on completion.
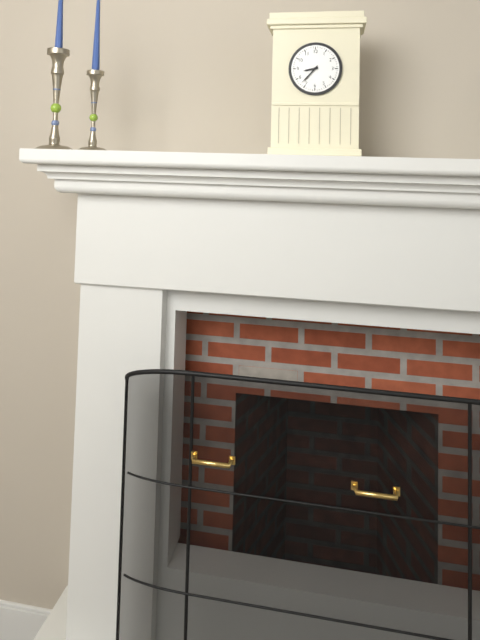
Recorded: h=8 m=37
